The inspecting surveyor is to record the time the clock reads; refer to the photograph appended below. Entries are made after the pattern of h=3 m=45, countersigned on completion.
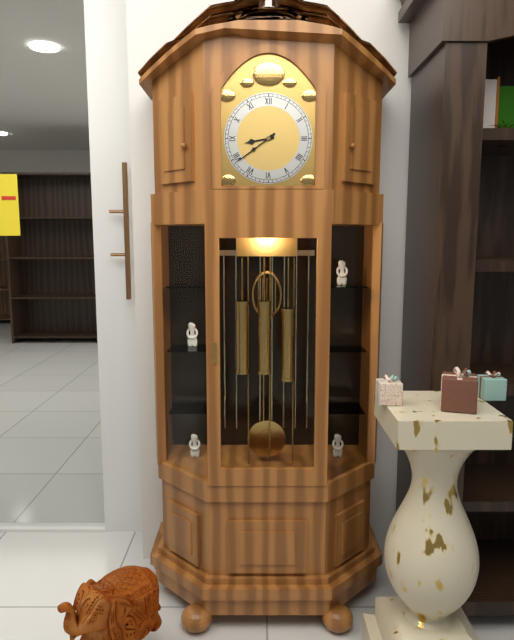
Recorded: h=8 m=39
